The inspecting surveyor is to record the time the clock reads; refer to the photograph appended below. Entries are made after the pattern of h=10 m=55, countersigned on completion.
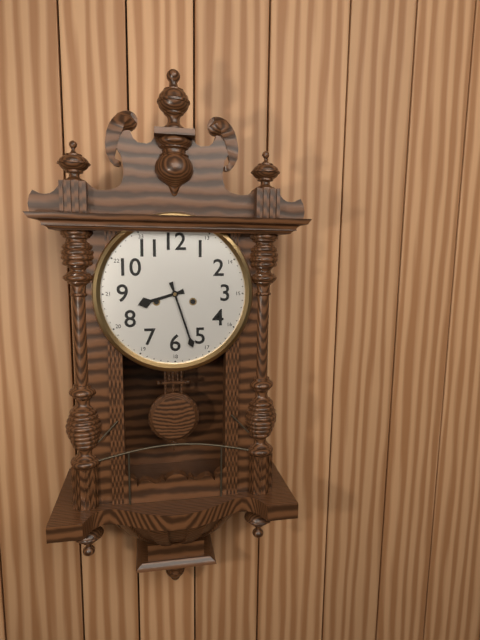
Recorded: h=8 m=27
